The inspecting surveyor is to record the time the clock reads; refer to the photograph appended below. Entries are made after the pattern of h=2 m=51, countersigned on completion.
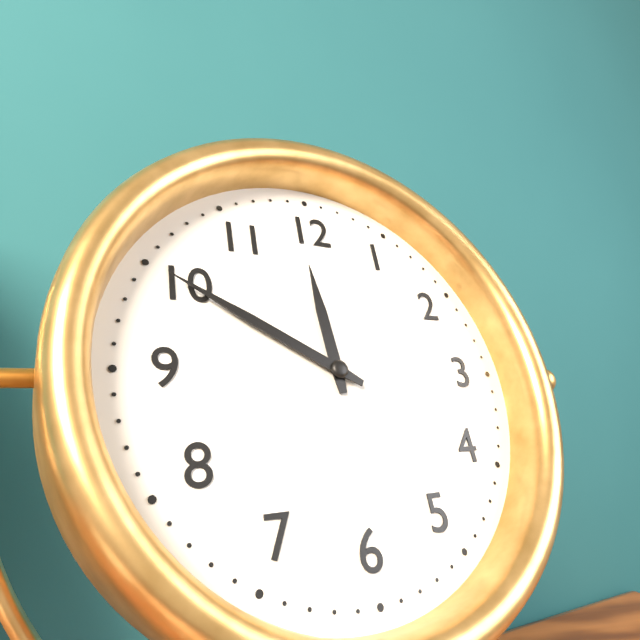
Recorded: h=11 m=50
